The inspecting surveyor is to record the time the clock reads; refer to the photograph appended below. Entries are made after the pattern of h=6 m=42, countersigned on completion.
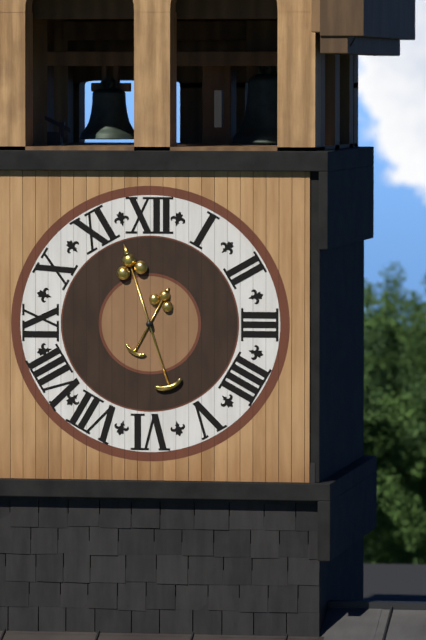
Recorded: h=12 m=57
